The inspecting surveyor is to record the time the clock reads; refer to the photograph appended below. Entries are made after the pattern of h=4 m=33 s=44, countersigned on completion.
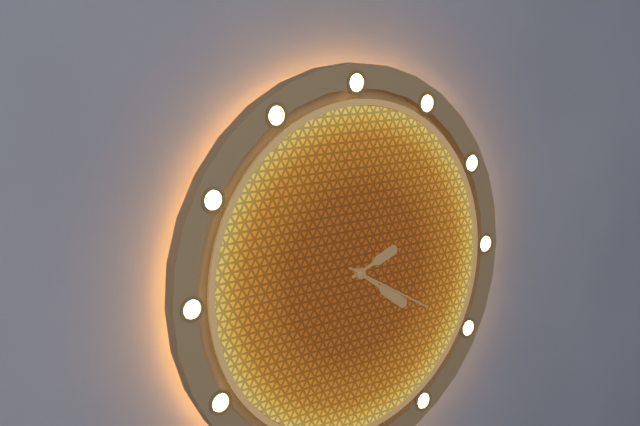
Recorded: h=2 m=21 s=20
